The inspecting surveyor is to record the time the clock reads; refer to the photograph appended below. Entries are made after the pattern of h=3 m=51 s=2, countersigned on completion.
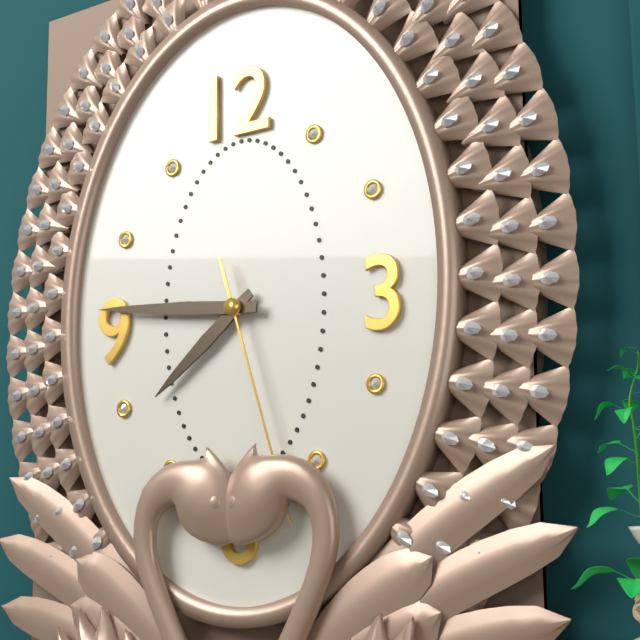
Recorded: h=7 m=46 s=27
